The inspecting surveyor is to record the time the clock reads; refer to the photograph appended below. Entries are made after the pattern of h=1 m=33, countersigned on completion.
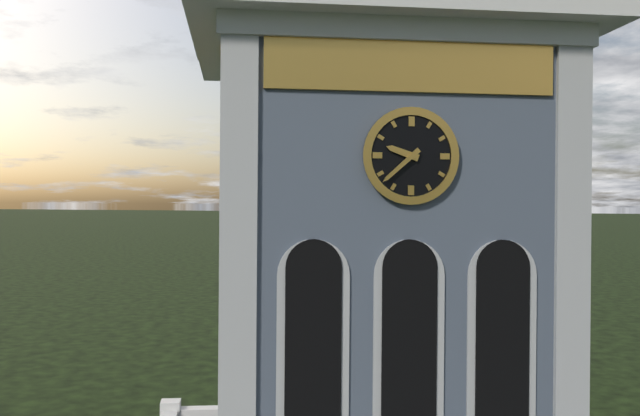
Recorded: h=9 m=38
